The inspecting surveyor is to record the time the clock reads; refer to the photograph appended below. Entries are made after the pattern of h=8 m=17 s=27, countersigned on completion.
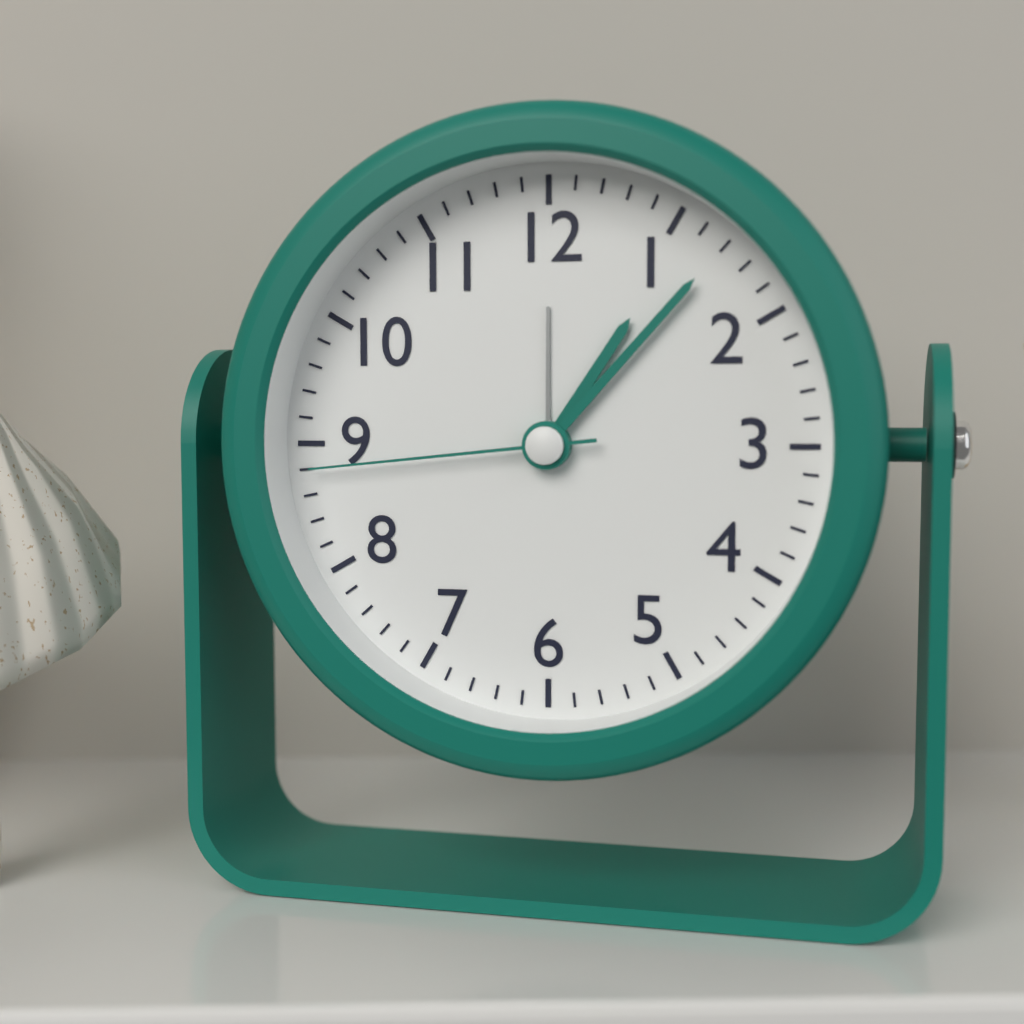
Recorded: h=1 m=7 s=44
